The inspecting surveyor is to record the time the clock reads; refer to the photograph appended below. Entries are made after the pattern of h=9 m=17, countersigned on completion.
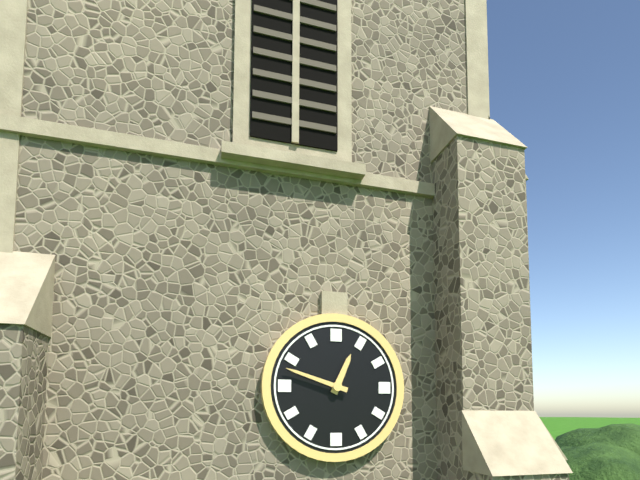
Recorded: h=12 m=48
